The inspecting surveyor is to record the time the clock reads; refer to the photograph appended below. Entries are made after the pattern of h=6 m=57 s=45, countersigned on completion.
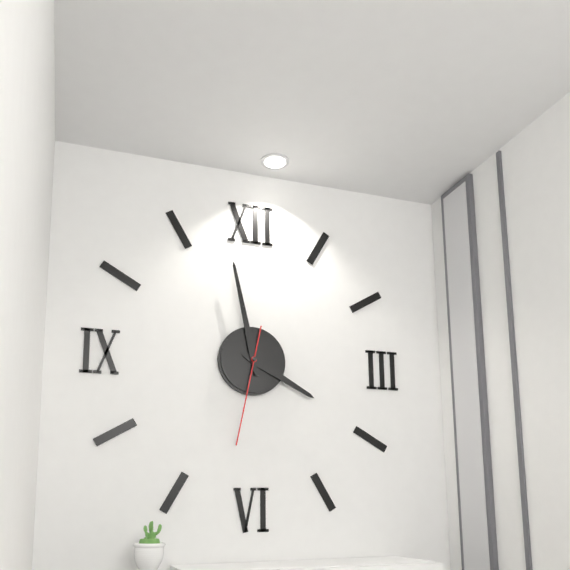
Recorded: h=3 m=58 s=32
